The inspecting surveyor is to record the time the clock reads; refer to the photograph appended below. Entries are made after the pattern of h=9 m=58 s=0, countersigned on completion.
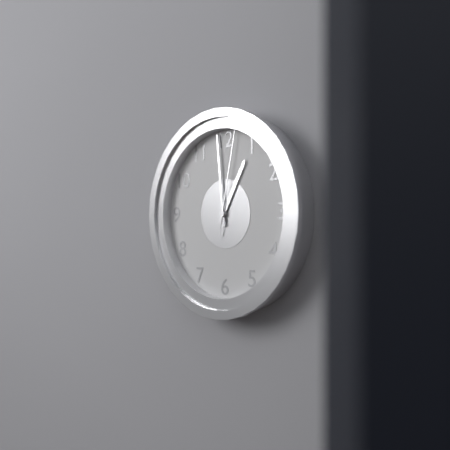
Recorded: h=12 m=59 s=2
